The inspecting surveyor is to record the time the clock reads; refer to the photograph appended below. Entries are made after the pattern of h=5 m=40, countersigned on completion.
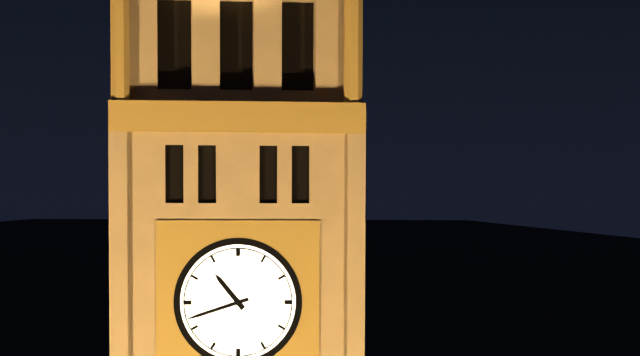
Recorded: h=10 m=42
